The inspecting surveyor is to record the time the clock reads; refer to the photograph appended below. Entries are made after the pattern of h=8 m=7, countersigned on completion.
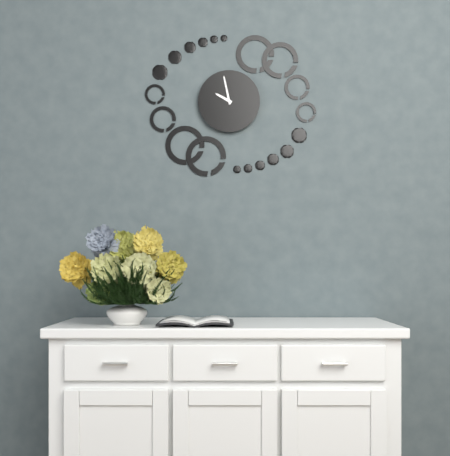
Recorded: h=9 m=58
